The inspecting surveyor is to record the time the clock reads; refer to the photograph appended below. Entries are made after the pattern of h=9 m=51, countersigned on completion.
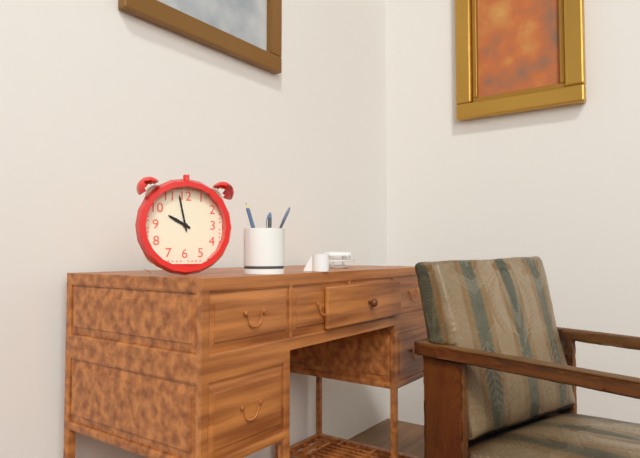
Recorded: h=9 m=58
